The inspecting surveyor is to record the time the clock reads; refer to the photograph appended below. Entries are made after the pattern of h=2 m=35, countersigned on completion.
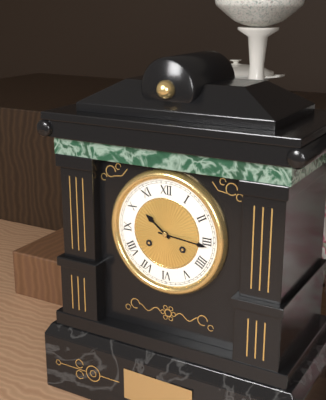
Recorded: h=10 m=16
